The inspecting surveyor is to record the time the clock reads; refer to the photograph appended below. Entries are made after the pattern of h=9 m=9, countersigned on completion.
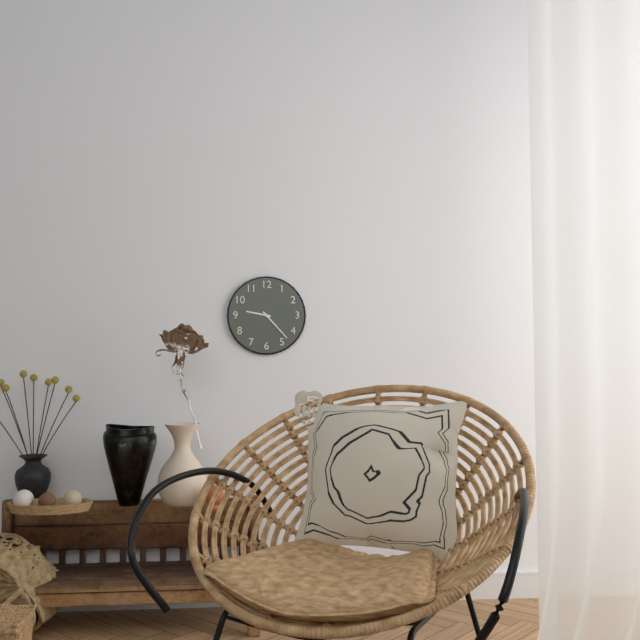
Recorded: h=9 m=23
